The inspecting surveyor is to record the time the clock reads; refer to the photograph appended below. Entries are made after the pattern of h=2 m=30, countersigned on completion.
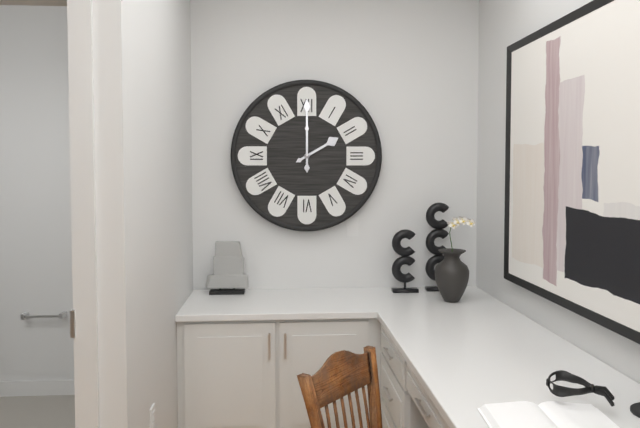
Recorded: h=2 m=0
